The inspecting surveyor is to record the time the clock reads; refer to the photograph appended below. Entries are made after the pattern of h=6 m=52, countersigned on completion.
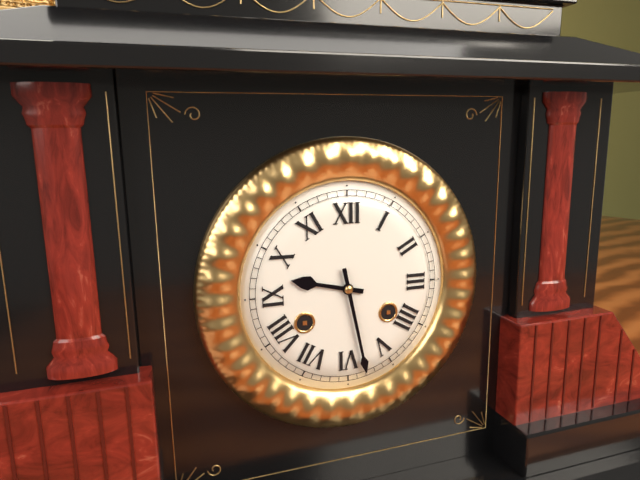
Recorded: h=9 m=28
